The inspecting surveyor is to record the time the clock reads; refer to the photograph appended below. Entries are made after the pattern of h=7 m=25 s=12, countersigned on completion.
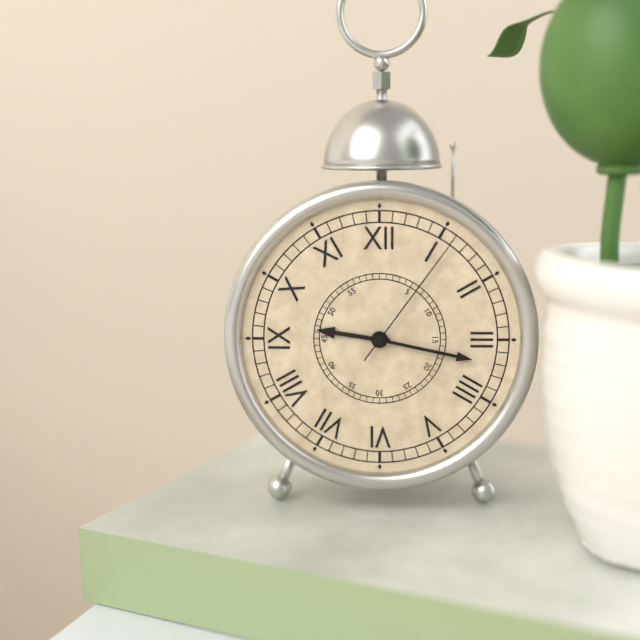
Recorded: h=9 m=17 s=6
